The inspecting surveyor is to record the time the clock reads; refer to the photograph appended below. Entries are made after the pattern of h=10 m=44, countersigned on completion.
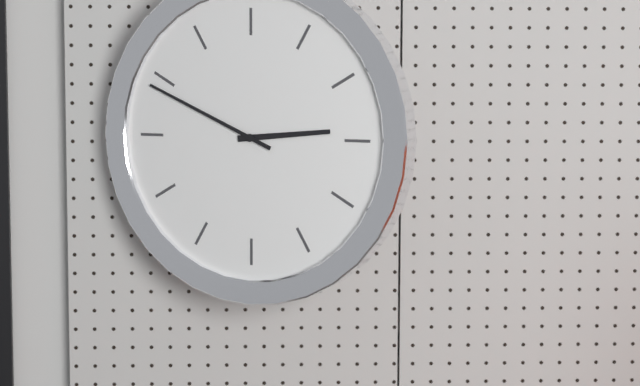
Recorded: h=2 m=49
